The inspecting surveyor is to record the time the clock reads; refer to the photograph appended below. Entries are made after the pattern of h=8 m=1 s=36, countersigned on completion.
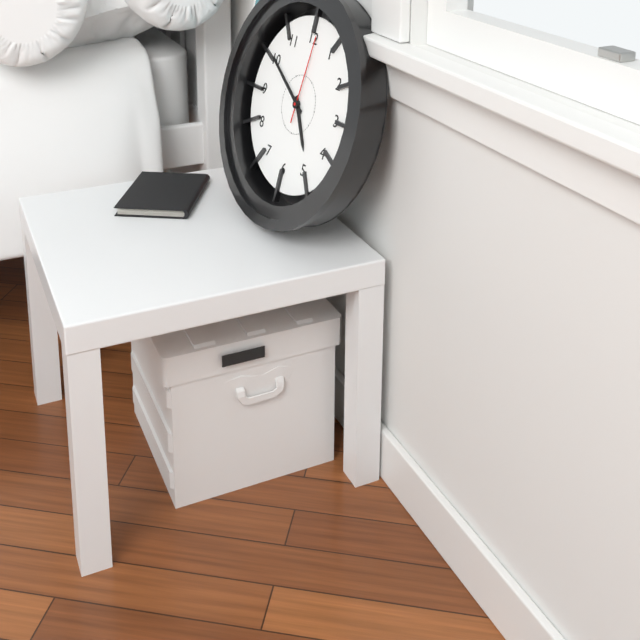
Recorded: h=4 m=50 s=1
